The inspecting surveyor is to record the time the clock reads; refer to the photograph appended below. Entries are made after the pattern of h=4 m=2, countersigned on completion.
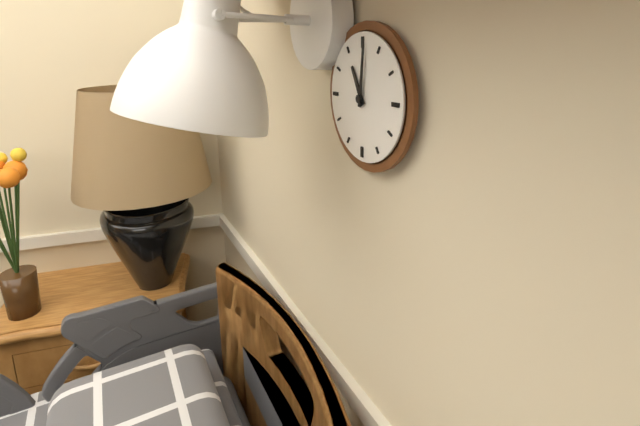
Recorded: h=11 m=1
